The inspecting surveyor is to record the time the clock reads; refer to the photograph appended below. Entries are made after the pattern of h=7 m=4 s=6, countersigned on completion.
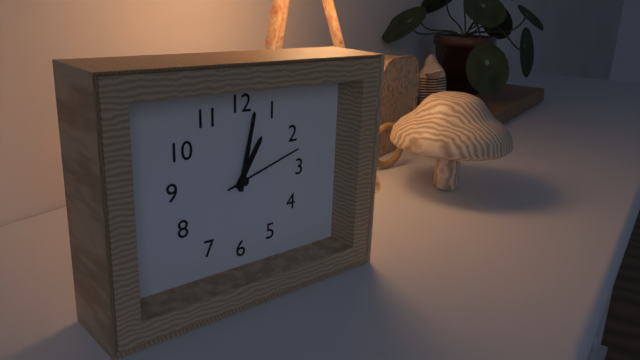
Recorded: h=1 m=2 s=12
